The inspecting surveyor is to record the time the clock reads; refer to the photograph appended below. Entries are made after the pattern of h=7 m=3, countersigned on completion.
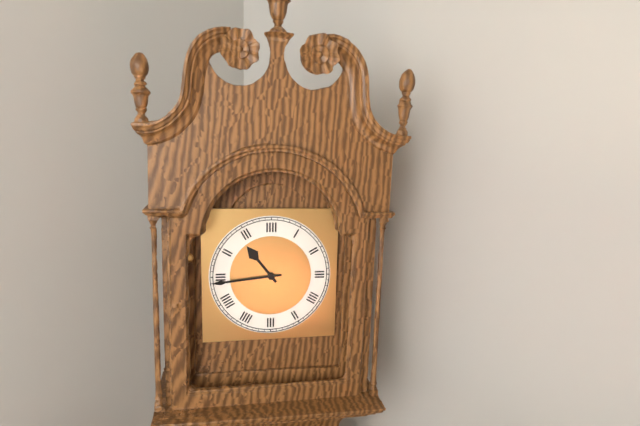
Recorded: h=10 m=44
